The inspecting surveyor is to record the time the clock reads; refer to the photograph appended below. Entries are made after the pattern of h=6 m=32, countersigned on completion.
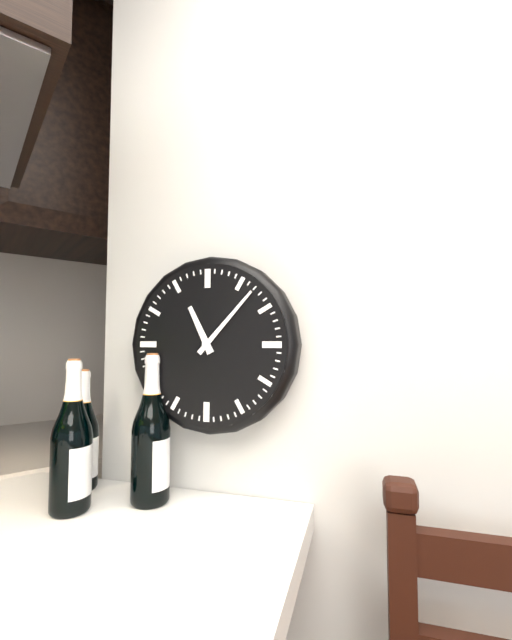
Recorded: h=11 m=7
